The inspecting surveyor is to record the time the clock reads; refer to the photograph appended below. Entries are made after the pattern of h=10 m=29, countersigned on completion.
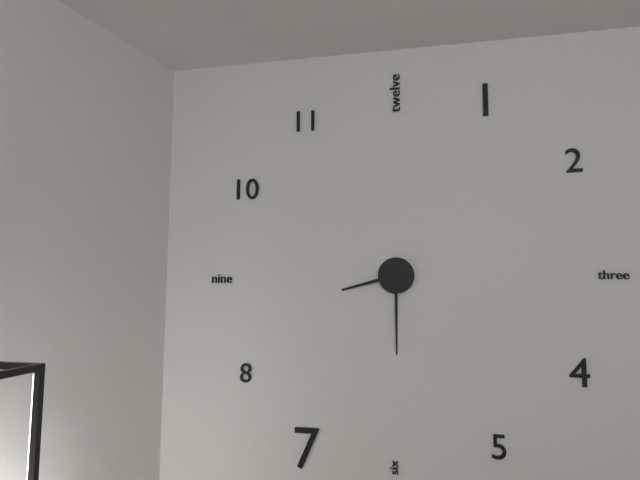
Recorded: h=8 m=30
